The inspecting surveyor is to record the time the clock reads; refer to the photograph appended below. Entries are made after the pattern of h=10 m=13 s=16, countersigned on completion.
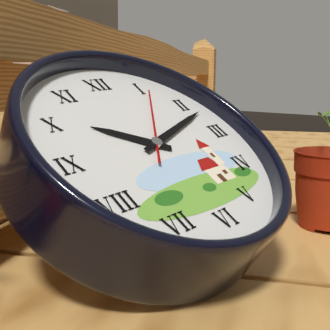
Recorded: h=10 m=12 s=6
